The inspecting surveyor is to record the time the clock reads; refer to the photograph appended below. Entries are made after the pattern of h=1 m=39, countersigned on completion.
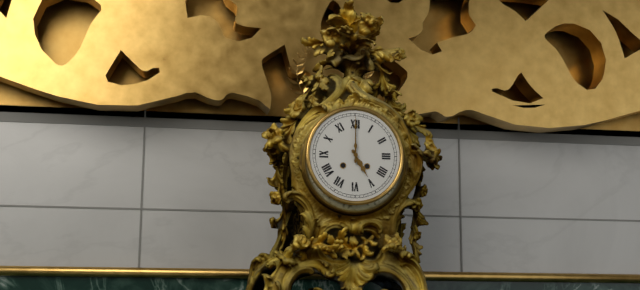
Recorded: h=5 m=0
